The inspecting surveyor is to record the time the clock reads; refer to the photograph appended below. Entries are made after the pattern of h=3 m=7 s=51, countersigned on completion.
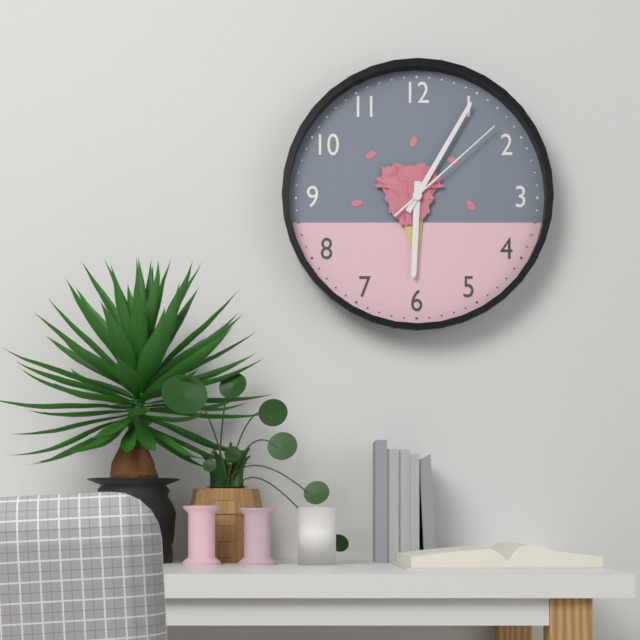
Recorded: h=6 m=5 s=8
